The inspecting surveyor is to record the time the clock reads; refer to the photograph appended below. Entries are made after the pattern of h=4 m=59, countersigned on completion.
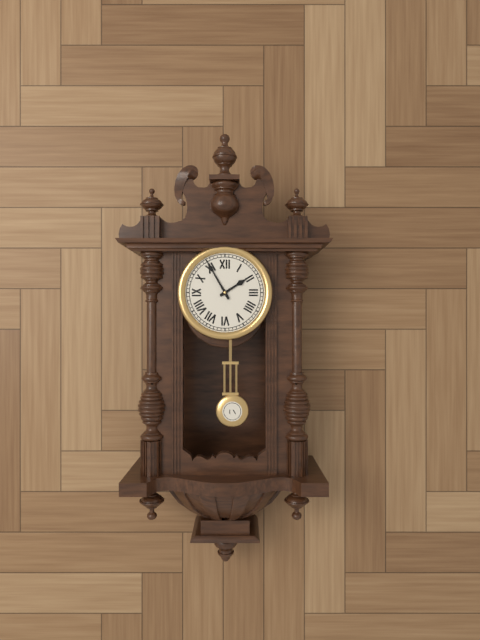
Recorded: h=1 m=55
